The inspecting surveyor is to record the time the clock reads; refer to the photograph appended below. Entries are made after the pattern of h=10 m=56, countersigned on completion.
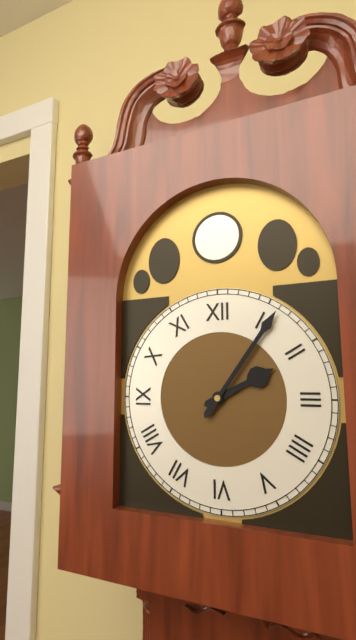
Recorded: h=2 m=6
